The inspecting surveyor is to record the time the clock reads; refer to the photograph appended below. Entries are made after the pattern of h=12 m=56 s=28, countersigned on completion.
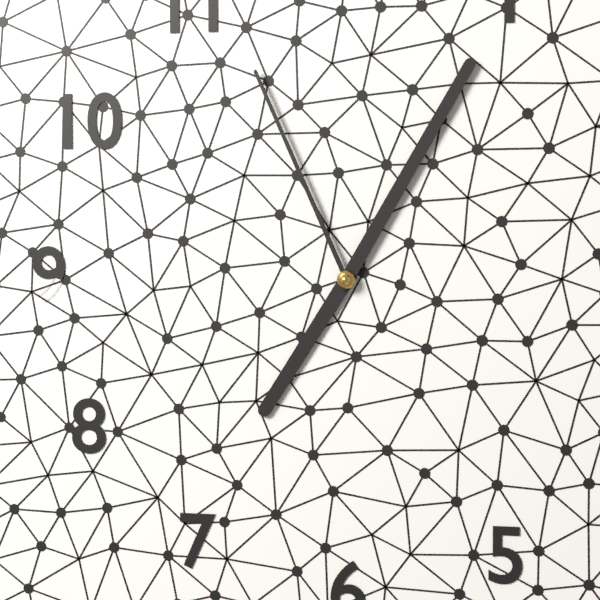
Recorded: h=7 m=5 s=56
